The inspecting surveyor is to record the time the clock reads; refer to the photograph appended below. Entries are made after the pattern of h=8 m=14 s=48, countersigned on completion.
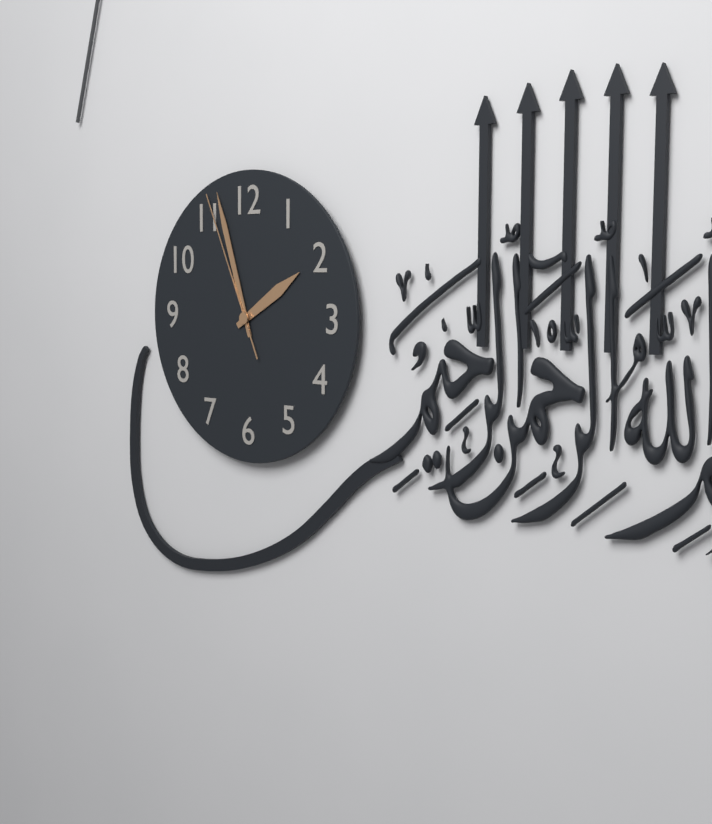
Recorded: h=1 m=57 s=56
